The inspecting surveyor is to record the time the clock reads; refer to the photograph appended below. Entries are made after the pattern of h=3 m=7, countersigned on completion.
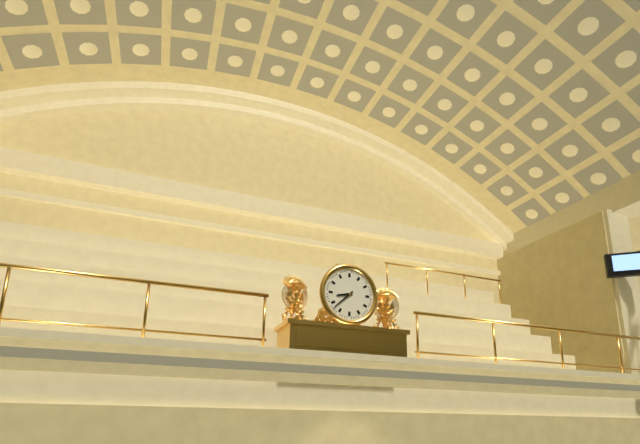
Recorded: h=8 m=38
